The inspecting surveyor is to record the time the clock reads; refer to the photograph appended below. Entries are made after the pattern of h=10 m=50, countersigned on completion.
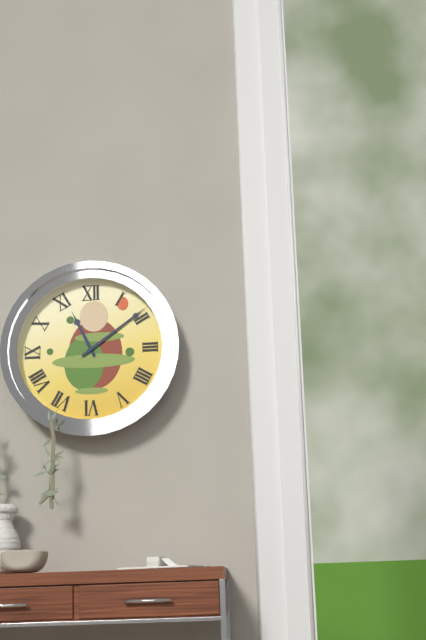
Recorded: h=11 m=9
